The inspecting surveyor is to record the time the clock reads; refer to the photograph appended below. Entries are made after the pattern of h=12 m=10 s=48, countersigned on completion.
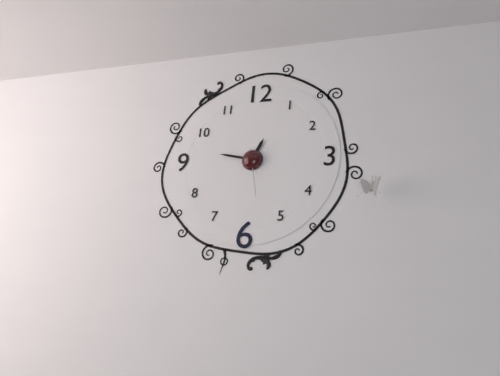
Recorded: h=12 m=47 s=28
